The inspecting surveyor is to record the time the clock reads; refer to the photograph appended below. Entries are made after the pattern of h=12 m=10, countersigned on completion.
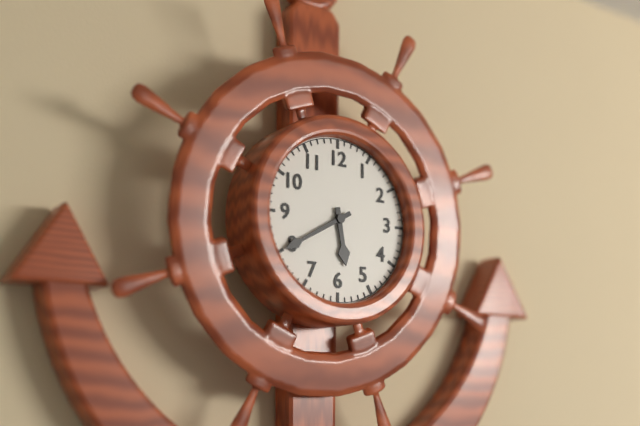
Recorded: h=5 m=40
